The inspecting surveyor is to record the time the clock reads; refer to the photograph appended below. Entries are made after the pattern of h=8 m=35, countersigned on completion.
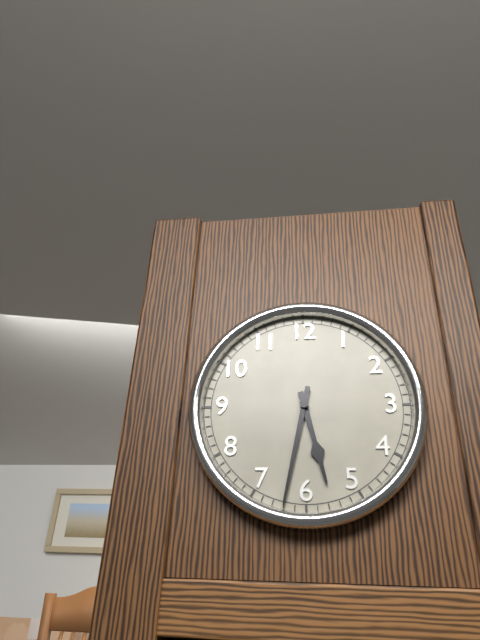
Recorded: h=5 m=32
